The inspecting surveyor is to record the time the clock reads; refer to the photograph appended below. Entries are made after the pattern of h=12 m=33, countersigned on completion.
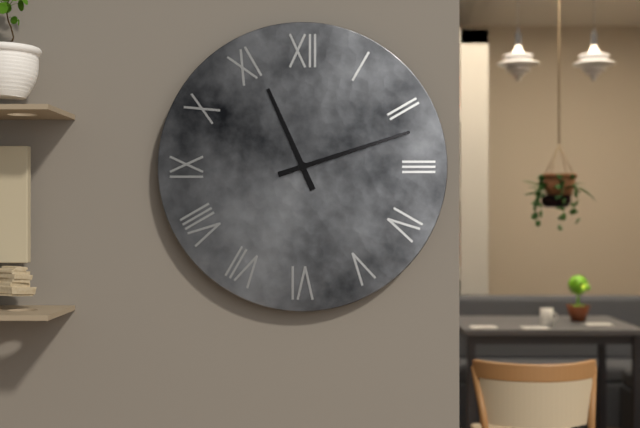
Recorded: h=11 m=12
